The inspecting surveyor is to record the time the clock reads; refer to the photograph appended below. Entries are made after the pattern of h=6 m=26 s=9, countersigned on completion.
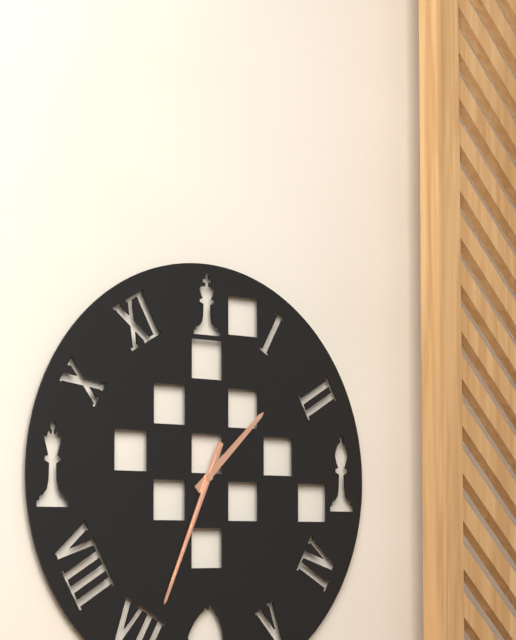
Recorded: h=1 m=34 s=34
